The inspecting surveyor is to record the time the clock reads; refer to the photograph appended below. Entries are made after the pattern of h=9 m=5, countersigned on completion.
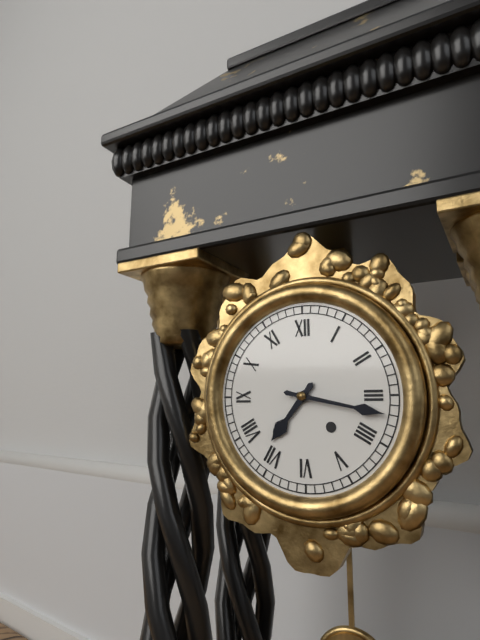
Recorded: h=7 m=17
